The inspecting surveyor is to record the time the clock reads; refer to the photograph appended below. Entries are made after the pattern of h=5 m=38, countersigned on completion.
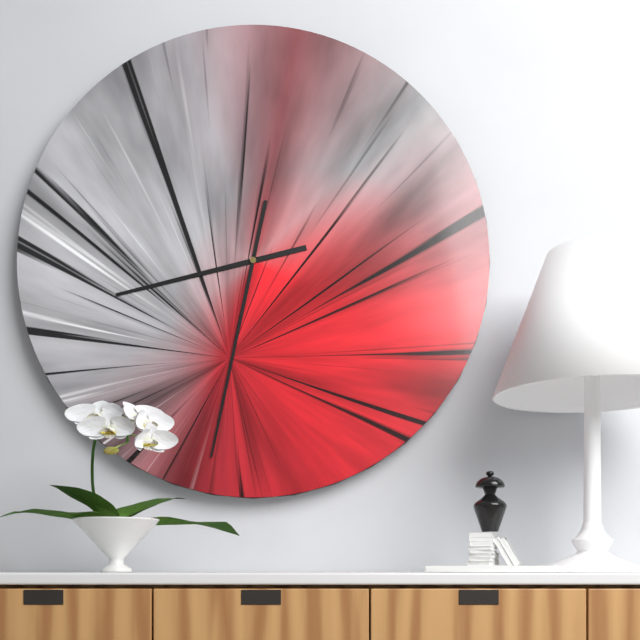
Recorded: h=8 m=32
